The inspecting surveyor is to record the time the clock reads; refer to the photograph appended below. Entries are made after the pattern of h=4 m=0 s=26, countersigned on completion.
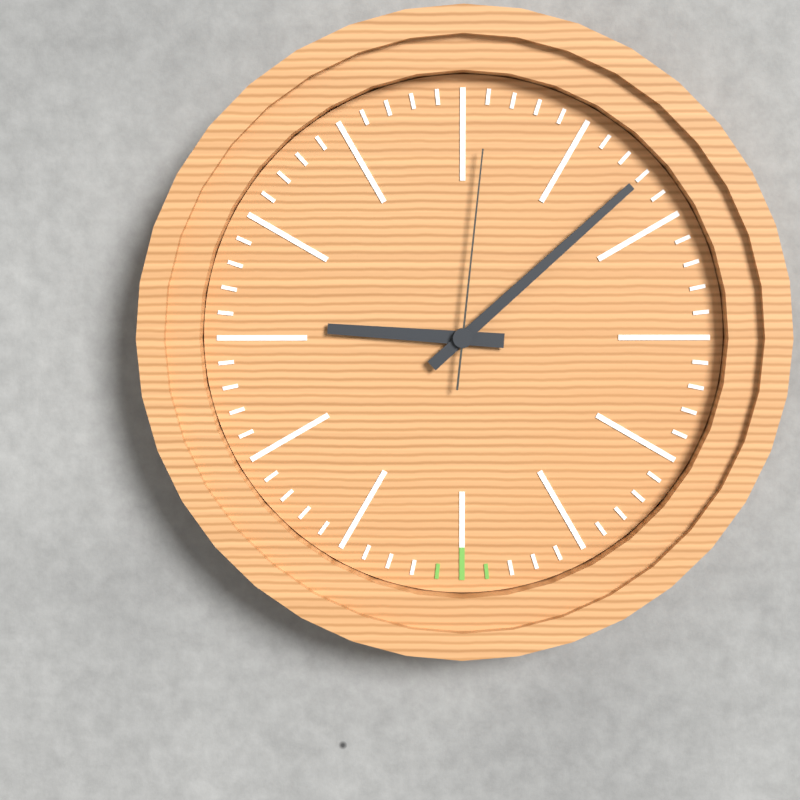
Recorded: h=9 m=8 s=1
